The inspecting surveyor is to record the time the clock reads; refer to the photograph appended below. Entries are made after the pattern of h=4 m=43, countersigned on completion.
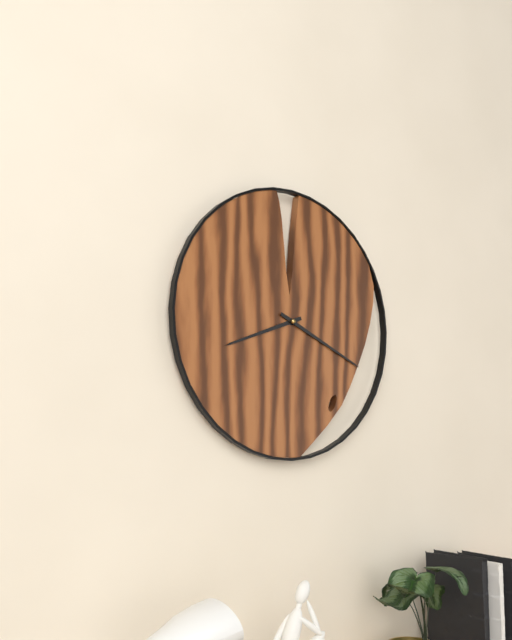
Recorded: h=8 m=19
